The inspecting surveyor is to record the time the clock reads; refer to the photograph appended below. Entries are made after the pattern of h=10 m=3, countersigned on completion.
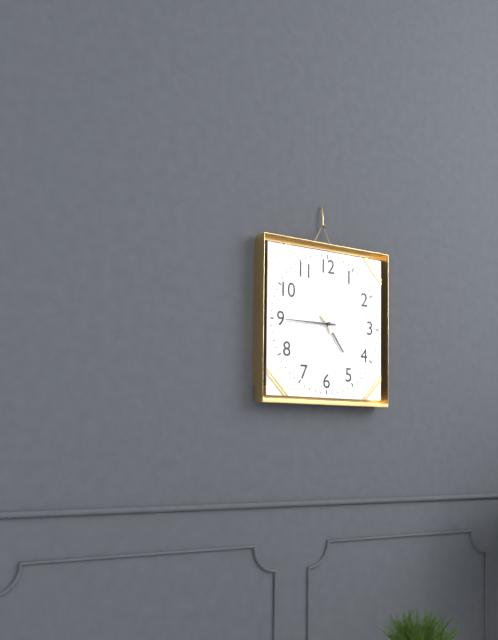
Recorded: h=4 m=45
